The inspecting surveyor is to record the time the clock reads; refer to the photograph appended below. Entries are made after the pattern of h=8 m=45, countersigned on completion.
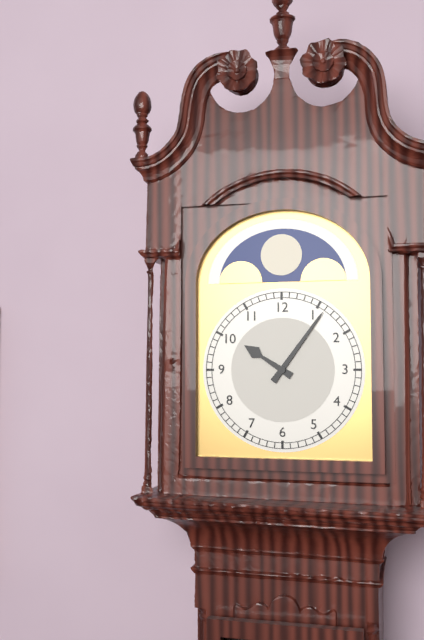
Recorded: h=10 m=6
